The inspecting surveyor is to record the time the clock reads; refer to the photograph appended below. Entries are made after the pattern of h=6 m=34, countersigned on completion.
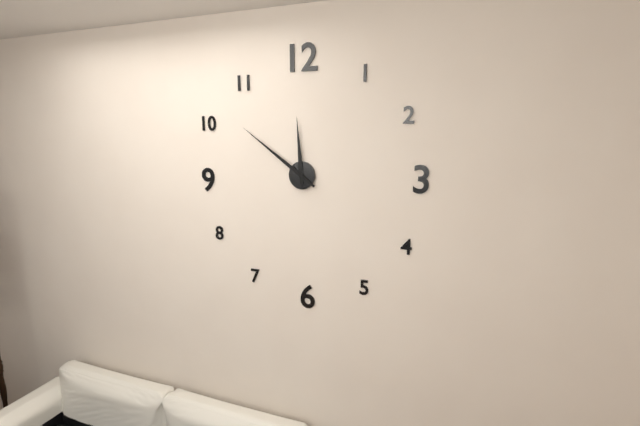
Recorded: h=11 m=51
